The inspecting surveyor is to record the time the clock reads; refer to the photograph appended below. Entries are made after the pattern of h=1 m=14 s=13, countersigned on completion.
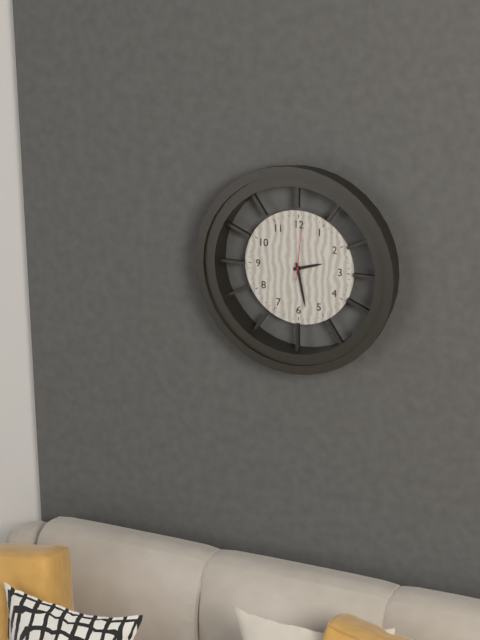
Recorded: h=2 m=28 s=1
